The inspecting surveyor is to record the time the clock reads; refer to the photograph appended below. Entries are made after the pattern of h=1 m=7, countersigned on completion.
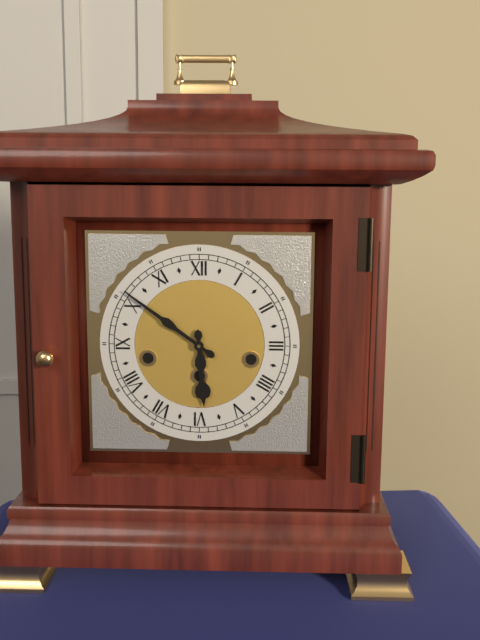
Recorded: h=5 m=51
